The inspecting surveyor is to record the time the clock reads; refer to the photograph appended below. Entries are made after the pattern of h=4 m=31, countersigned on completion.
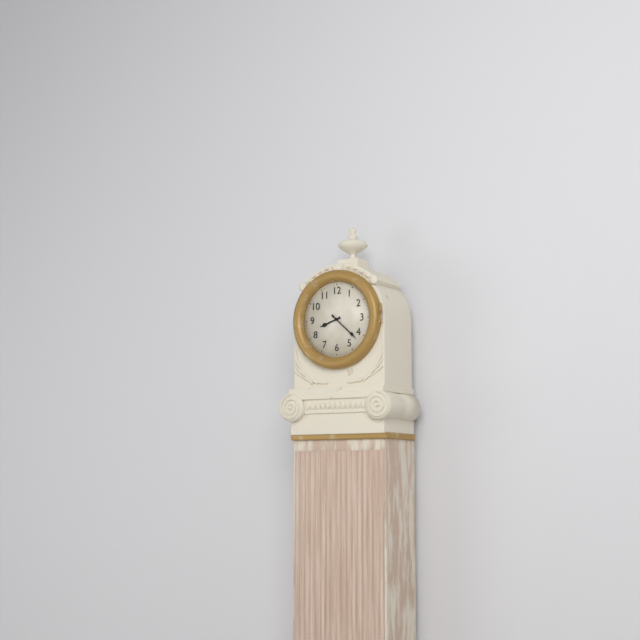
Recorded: h=8 m=22
